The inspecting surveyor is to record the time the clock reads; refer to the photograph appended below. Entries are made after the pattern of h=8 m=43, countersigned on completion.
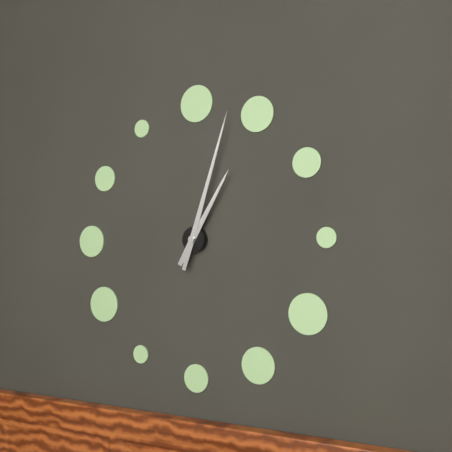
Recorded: h=1 m=3
